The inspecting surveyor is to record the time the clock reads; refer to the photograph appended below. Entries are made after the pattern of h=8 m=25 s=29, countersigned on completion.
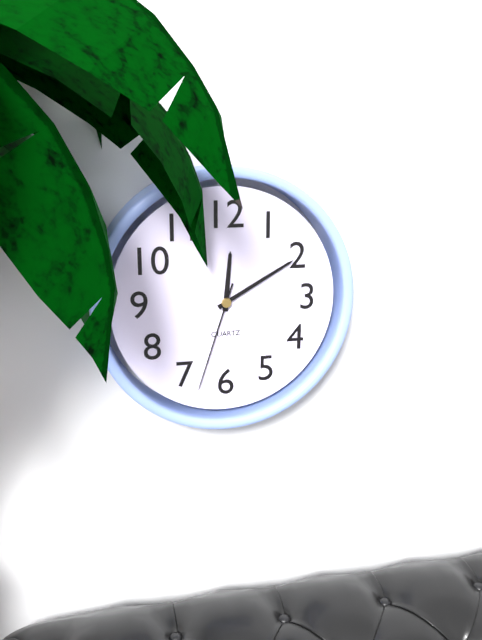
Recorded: h=12 m=10 s=33
